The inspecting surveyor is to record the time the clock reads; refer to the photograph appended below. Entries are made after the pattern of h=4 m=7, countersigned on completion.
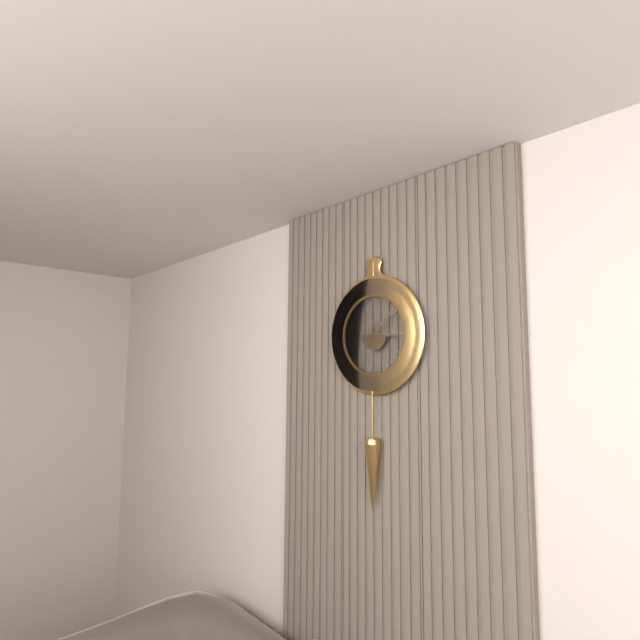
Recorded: h=3 m=8
